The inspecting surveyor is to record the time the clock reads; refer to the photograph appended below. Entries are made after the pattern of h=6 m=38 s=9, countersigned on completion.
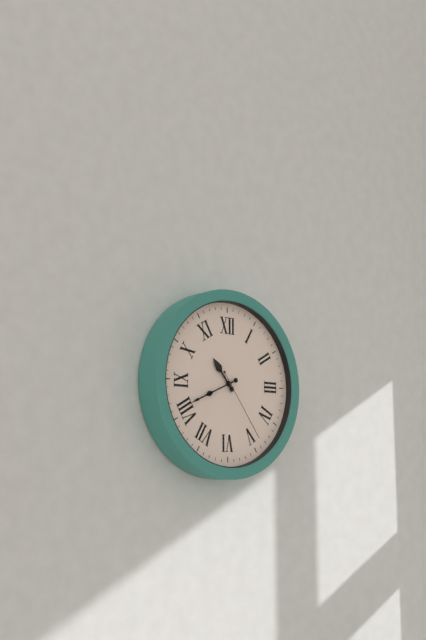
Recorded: h=10 m=41 s=24
